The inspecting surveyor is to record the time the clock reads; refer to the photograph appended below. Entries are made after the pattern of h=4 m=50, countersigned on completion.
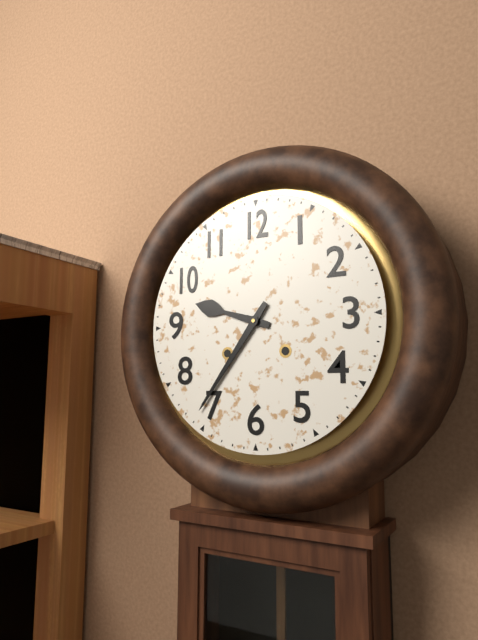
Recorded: h=9 m=36
